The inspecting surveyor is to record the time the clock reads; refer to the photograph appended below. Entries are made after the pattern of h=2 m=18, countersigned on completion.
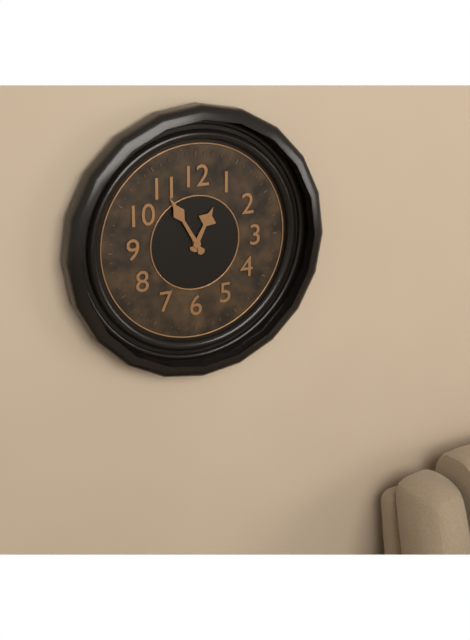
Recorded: h=12 m=55
